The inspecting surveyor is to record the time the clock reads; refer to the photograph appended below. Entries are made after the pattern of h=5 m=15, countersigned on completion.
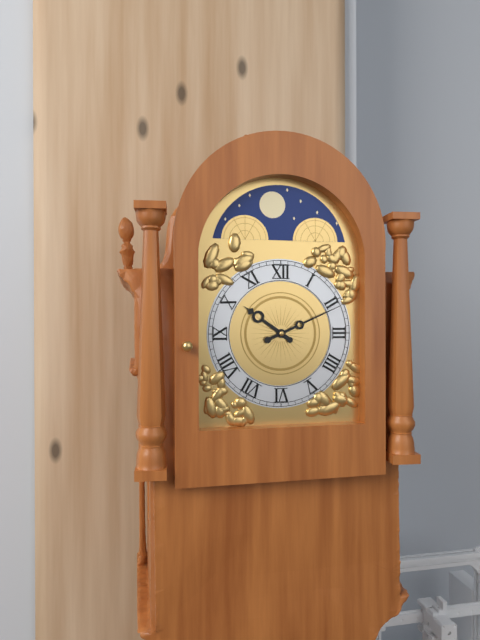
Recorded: h=10 m=11
